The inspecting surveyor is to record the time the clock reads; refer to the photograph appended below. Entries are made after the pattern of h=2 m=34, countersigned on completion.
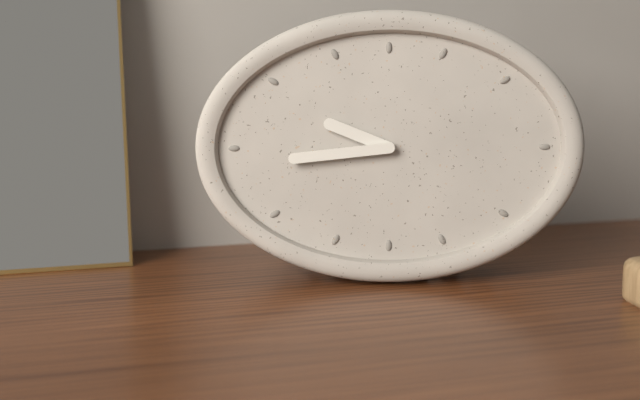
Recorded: h=9 m=44
